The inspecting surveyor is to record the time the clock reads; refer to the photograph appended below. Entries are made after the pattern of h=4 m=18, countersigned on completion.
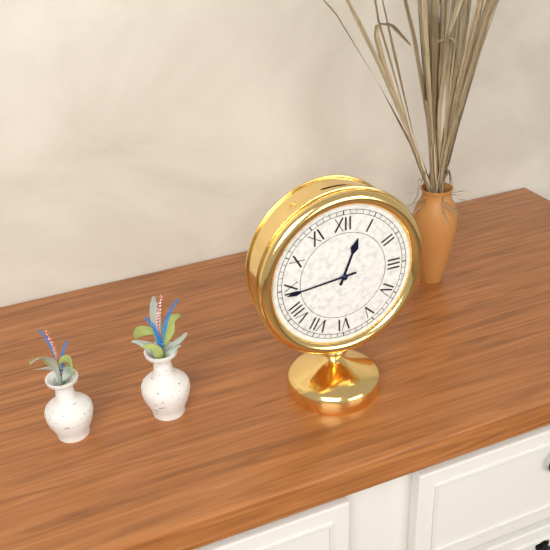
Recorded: h=12 m=44
